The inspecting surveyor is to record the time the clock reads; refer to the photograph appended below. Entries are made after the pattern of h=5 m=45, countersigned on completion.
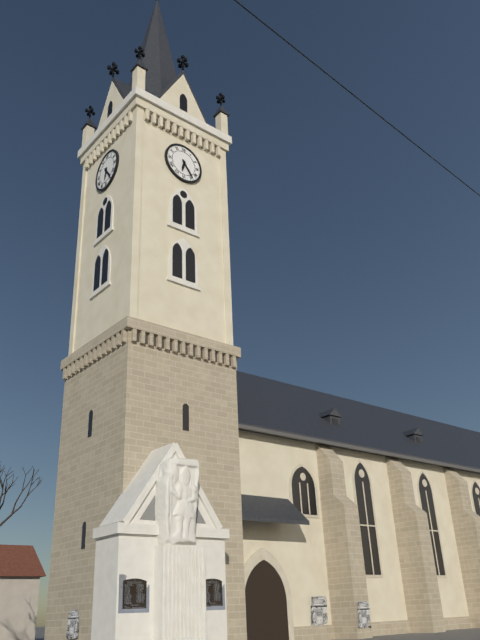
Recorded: h=6 m=24
